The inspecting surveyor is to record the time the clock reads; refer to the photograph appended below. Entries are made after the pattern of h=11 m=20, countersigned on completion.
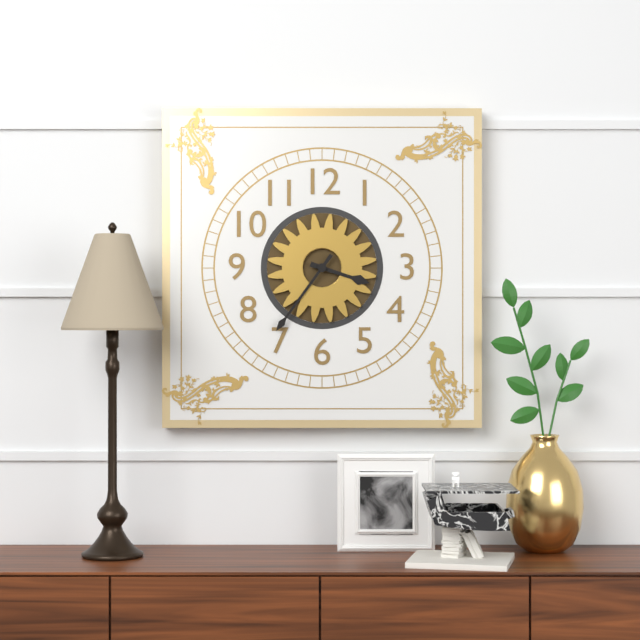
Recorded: h=3 m=36
